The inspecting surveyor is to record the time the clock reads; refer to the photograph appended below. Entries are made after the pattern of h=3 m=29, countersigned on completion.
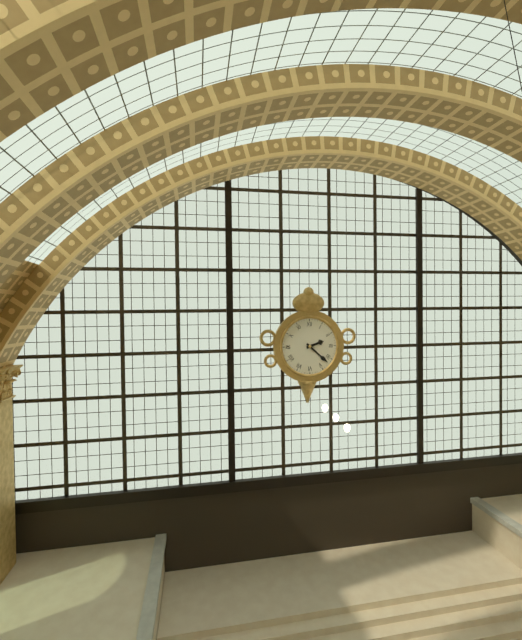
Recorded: h=2 m=22
